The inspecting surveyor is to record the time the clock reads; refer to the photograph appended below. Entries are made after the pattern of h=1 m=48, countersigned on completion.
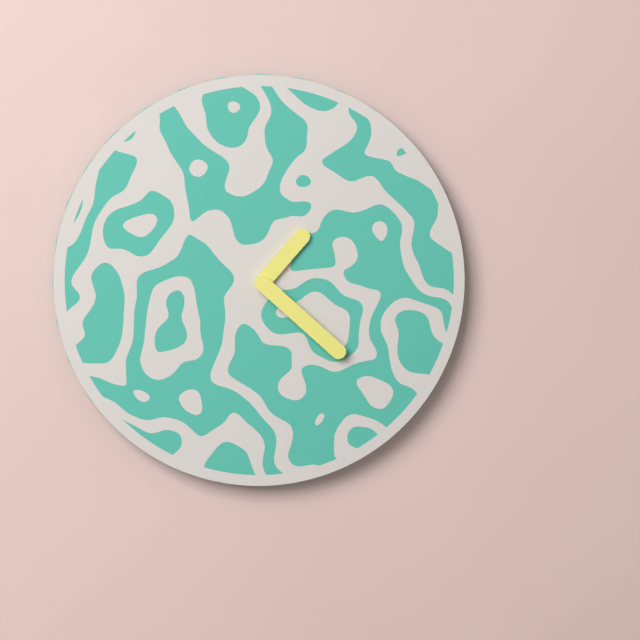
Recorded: h=1 m=22
